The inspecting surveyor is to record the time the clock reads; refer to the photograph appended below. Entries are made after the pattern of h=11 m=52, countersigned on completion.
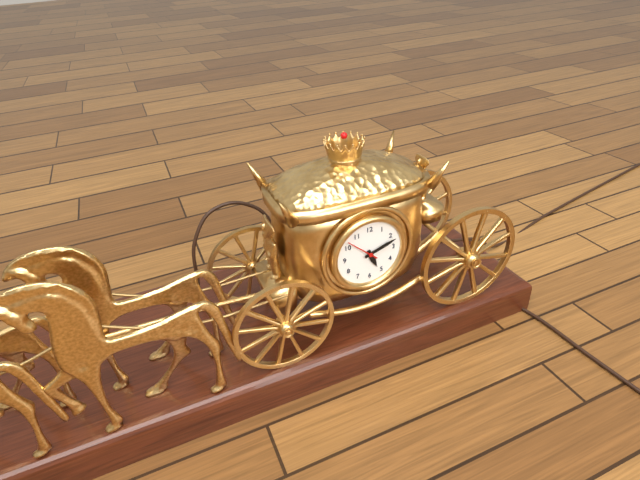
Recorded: h=5 m=12
